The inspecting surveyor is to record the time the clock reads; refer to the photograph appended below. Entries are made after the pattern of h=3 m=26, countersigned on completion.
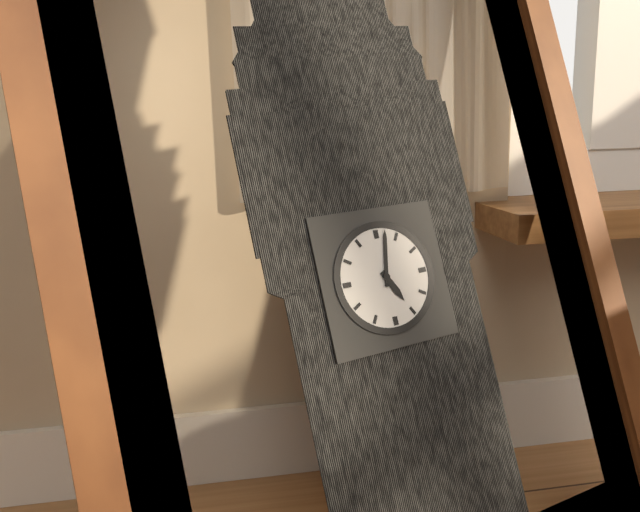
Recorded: h=5 m=2
